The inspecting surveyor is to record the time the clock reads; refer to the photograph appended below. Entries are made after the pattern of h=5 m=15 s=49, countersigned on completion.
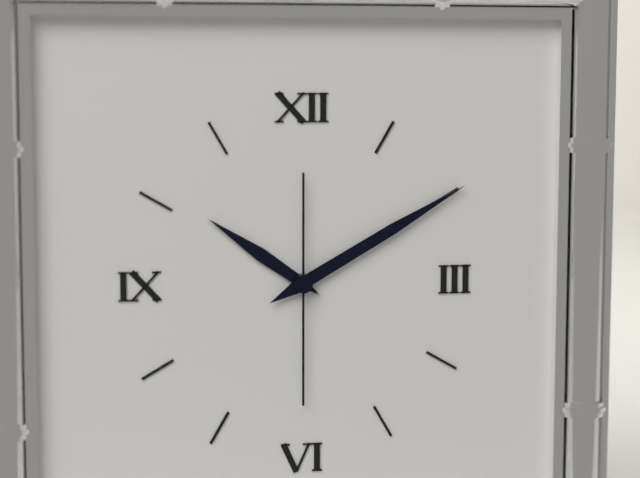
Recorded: h=10 m=10 s=30
